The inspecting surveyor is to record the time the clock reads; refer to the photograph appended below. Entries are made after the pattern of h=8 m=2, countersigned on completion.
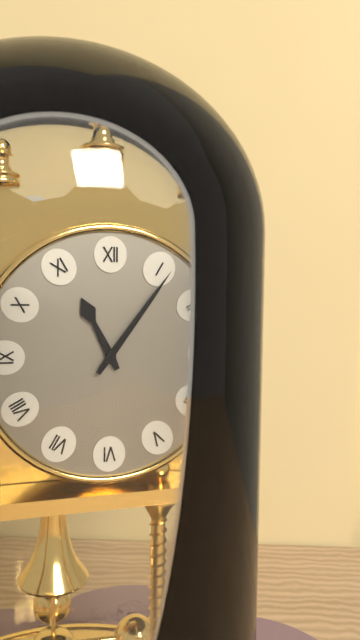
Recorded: h=11 m=6
